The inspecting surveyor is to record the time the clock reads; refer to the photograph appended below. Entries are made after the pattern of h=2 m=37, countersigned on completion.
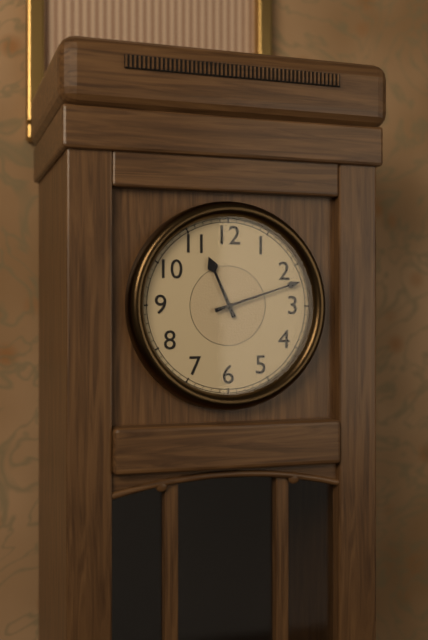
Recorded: h=11 m=12
